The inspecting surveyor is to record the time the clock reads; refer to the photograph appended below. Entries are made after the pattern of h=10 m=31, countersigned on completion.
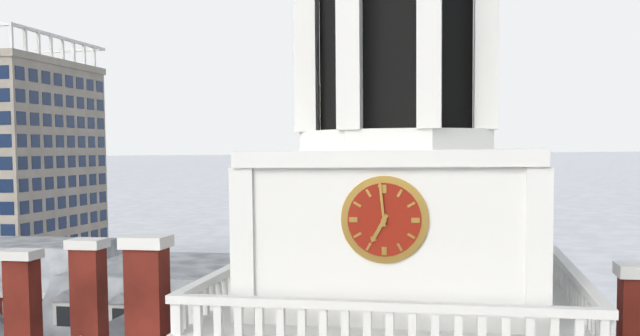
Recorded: h=6 m=59
